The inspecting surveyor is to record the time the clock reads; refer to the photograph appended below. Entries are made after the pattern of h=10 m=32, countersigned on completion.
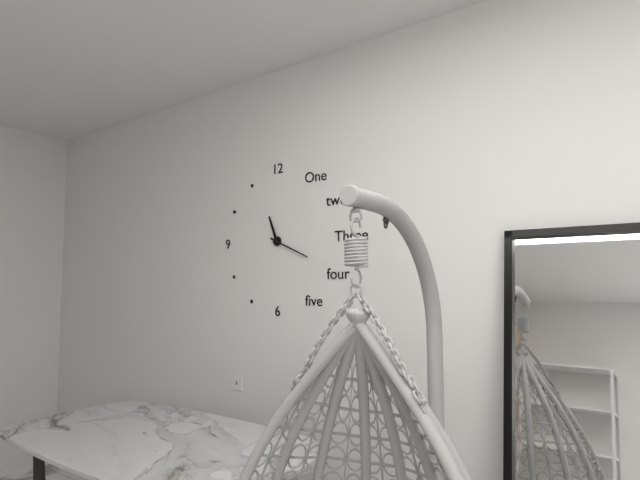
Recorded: h=11 m=19
